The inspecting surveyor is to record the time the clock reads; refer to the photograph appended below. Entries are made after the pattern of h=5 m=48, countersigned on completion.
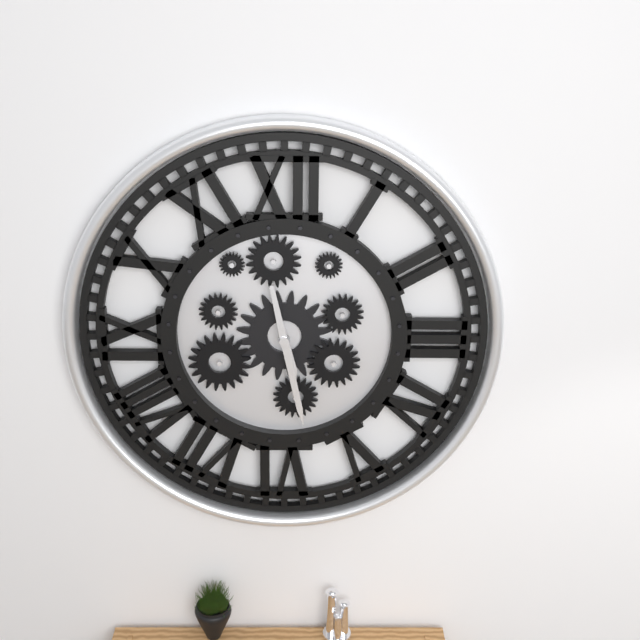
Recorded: h=5 m=28
